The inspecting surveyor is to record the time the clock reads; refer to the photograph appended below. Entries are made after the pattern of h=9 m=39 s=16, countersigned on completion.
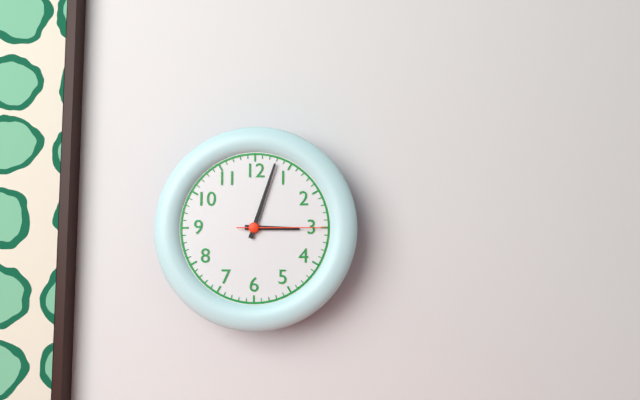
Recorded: h=3 m=3 s=15
